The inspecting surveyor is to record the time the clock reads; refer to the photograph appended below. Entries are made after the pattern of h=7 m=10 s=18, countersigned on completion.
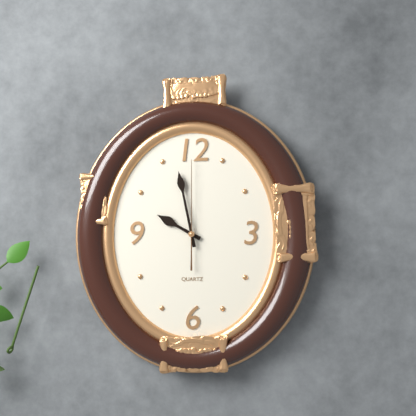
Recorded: h=9 m=58 s=0
